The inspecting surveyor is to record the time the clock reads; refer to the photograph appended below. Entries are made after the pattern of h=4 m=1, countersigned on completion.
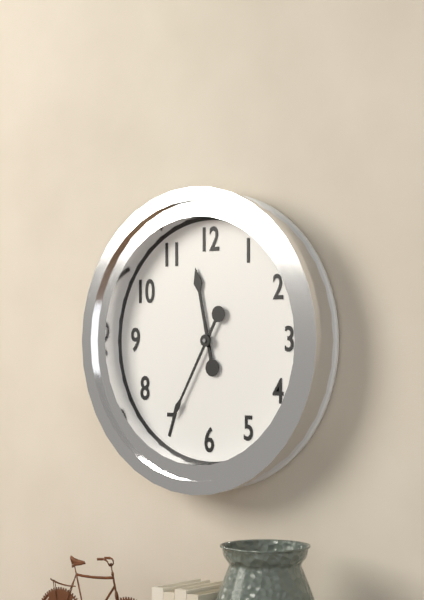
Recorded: h=11 m=35
